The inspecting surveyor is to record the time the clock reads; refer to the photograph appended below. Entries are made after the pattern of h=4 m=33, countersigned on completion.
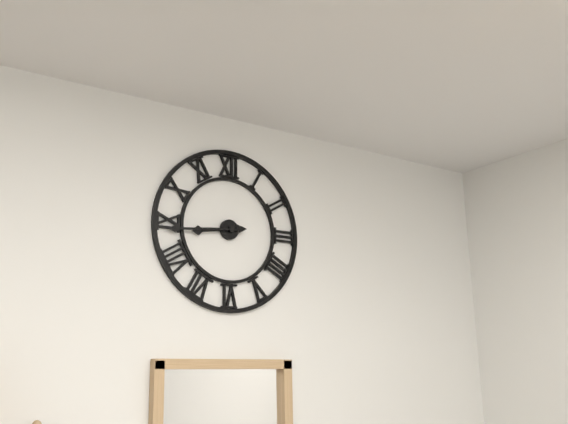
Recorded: h=8 m=44
